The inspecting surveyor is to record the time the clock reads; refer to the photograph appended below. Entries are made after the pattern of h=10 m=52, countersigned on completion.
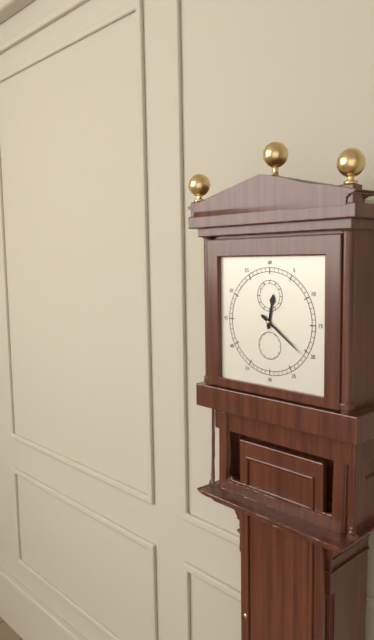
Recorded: h=12 m=21
